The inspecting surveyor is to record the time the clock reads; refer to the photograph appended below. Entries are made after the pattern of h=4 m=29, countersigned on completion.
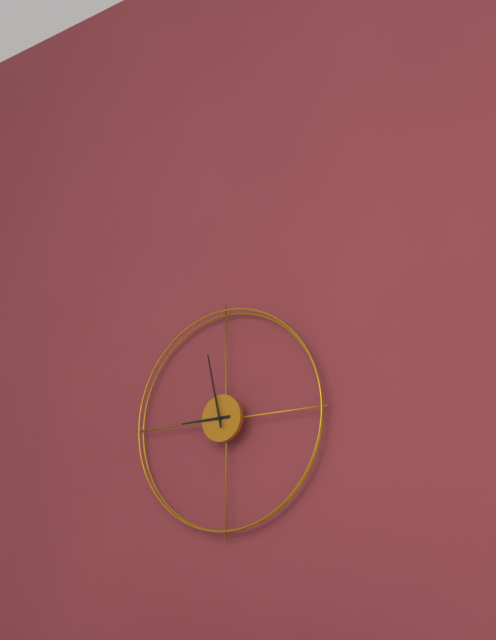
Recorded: h=8 m=58
